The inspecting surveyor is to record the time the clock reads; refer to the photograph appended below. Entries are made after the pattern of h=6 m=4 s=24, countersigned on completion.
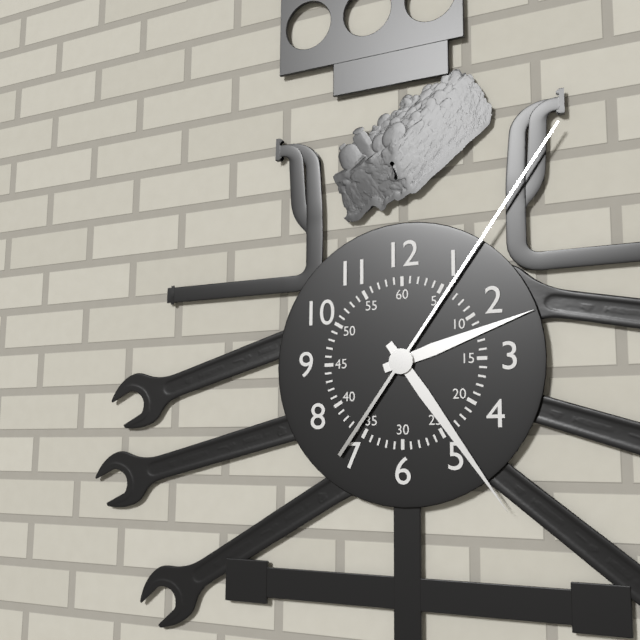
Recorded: h=2 m=24 s=6
